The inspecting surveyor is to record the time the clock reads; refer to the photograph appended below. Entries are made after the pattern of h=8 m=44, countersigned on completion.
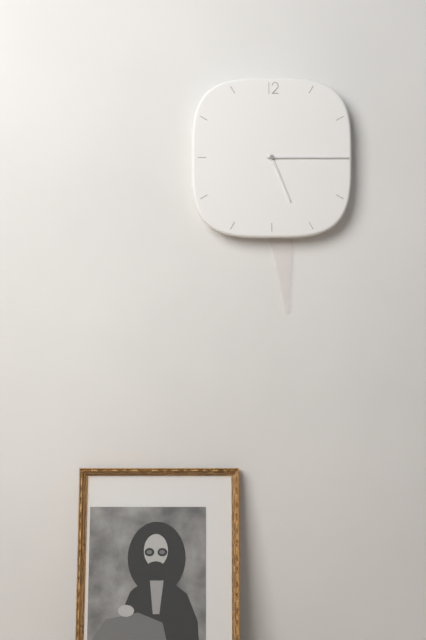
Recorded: h=5 m=15
